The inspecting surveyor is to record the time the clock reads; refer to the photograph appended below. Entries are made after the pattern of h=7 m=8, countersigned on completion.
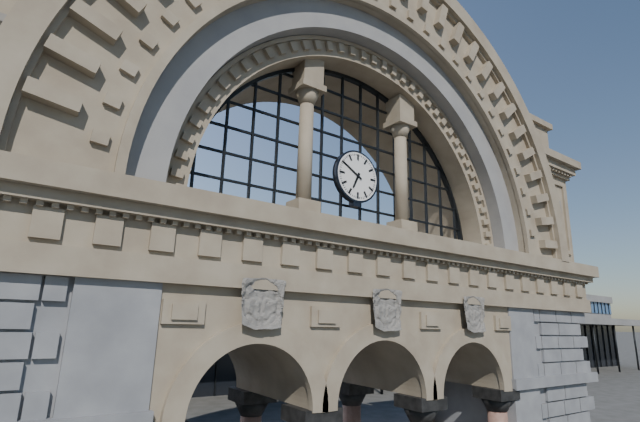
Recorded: h=6 m=50
